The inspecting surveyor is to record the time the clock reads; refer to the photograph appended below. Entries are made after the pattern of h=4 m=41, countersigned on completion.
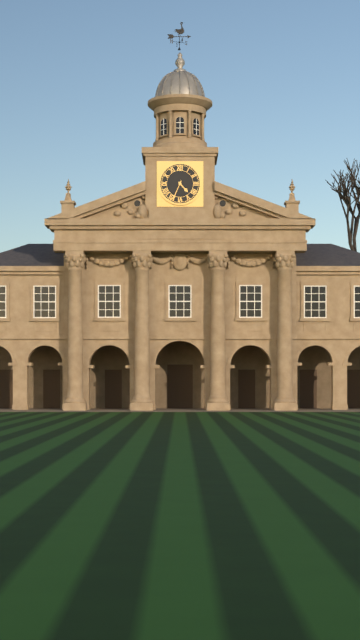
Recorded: h=4 m=34
